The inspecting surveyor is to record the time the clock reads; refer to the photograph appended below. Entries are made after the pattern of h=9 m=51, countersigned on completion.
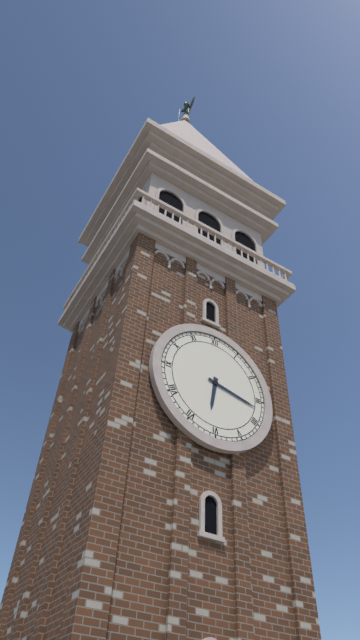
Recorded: h=6 m=17
